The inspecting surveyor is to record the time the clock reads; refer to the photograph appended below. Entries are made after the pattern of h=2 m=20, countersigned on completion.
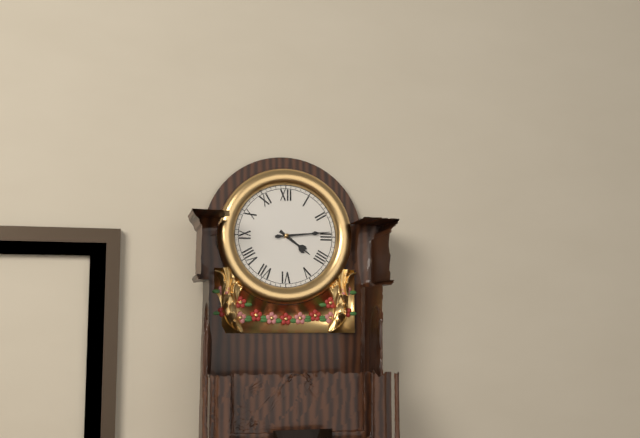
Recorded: h=4 m=14
